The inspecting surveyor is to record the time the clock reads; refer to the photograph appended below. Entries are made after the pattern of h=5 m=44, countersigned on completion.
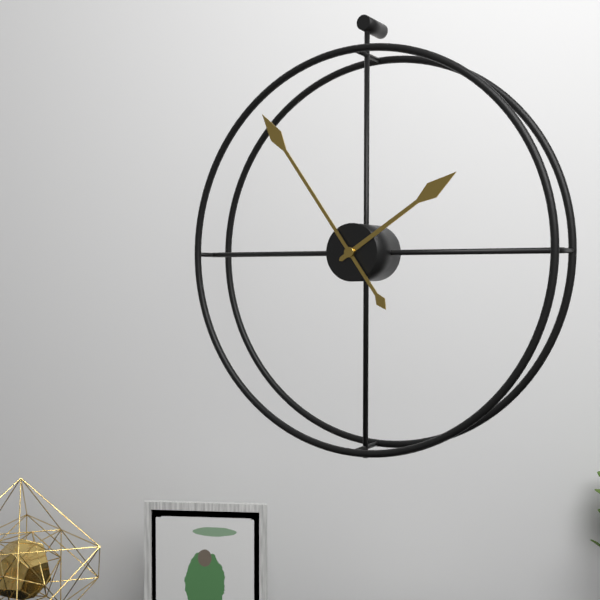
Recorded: h=1 m=54
